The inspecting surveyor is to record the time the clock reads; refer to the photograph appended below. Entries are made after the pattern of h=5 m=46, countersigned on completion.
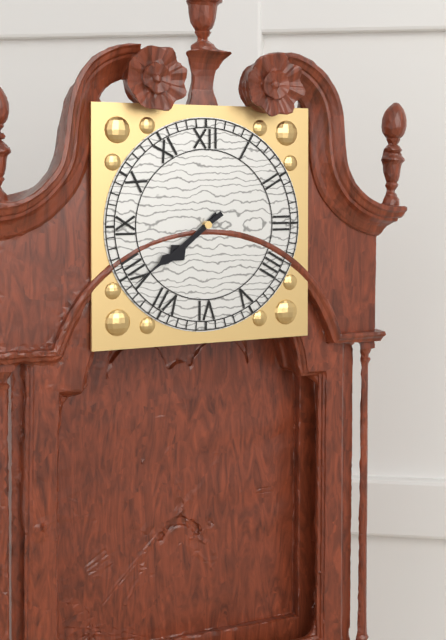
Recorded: h=7 m=39
